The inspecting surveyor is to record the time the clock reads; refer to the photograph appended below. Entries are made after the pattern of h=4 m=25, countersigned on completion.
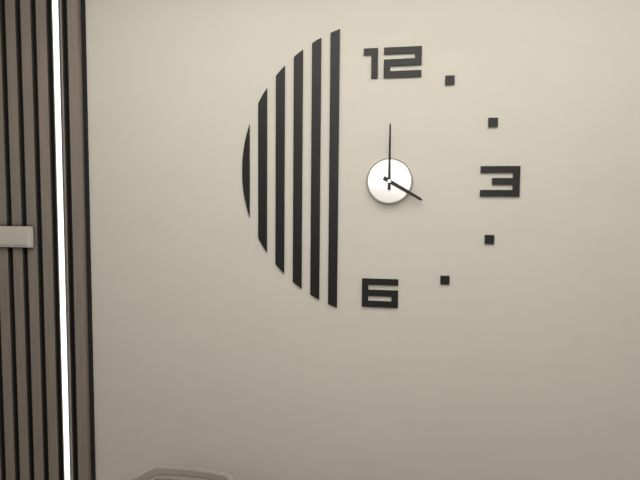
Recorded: h=4 m=0
